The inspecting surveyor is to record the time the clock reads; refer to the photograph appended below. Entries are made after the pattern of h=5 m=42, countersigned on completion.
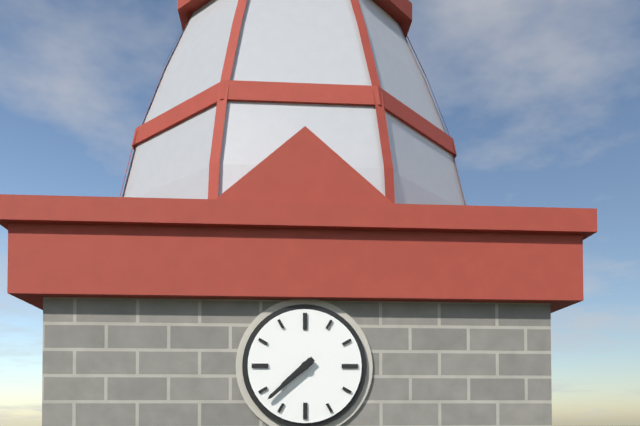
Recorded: h=7 m=38
